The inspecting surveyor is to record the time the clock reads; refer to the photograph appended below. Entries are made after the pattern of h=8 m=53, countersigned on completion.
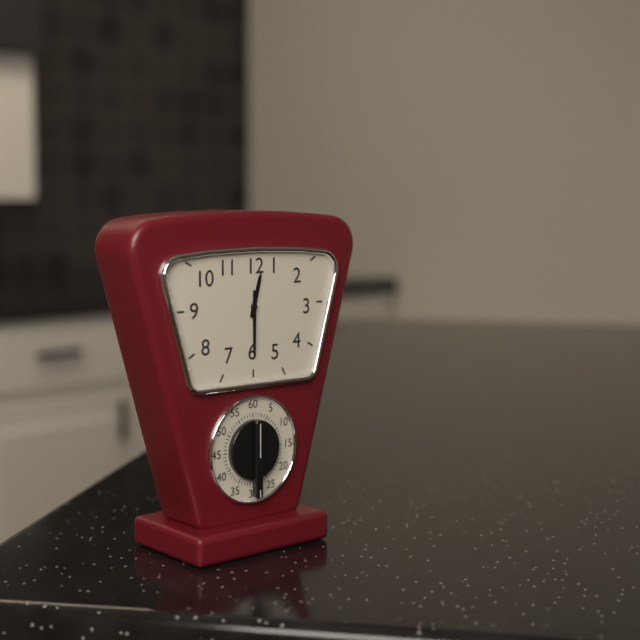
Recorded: h=12 m=30
